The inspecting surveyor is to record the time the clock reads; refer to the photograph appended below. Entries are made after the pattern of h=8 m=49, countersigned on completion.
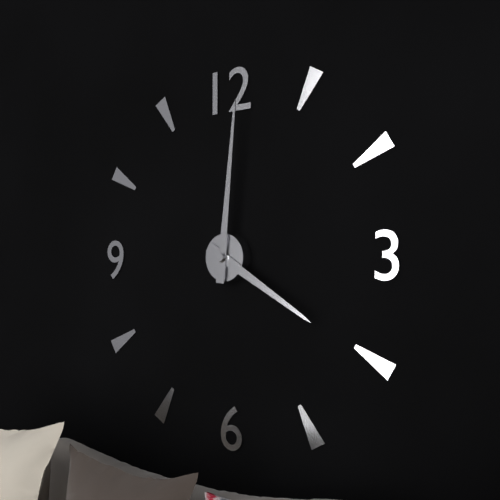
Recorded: h=4 m=1
